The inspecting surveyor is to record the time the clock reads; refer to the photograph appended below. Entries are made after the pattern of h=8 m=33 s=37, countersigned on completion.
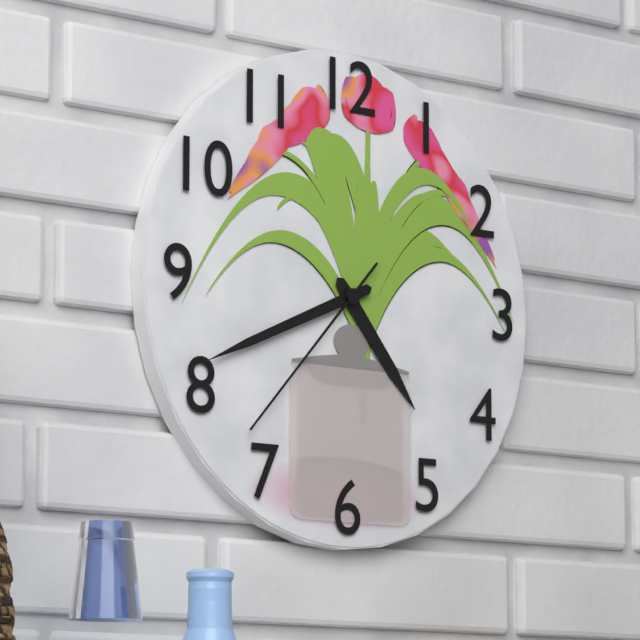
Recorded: h=4 m=41 s=37
